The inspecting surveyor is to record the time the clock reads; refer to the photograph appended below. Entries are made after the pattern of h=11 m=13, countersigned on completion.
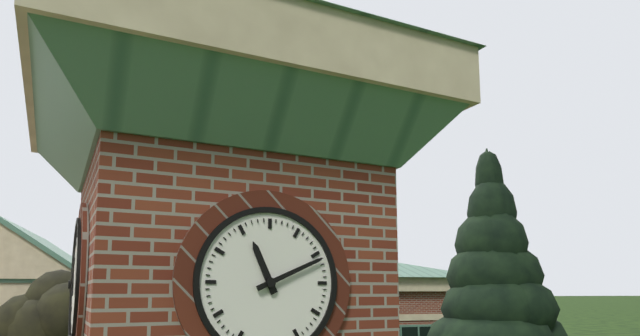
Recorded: h=11 m=11
